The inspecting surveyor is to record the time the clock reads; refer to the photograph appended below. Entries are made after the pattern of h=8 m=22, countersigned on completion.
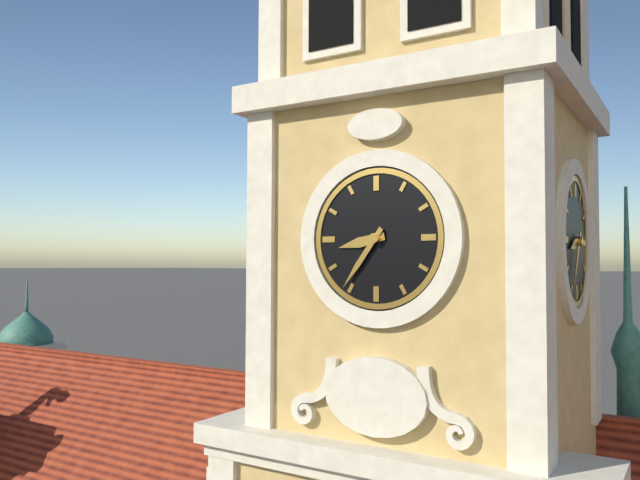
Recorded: h=8 m=36
